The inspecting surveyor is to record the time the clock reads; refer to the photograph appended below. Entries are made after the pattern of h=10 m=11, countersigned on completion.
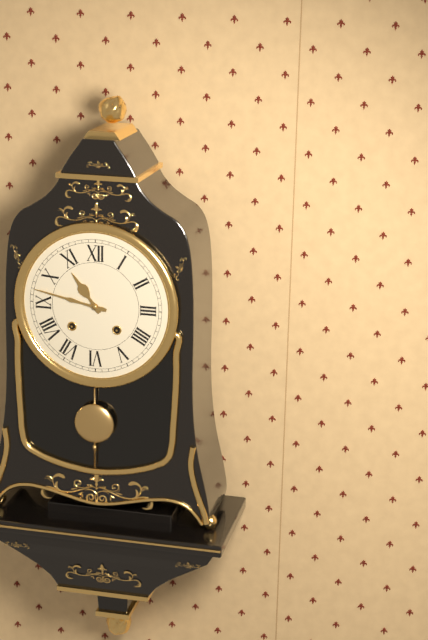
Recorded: h=10 m=47
